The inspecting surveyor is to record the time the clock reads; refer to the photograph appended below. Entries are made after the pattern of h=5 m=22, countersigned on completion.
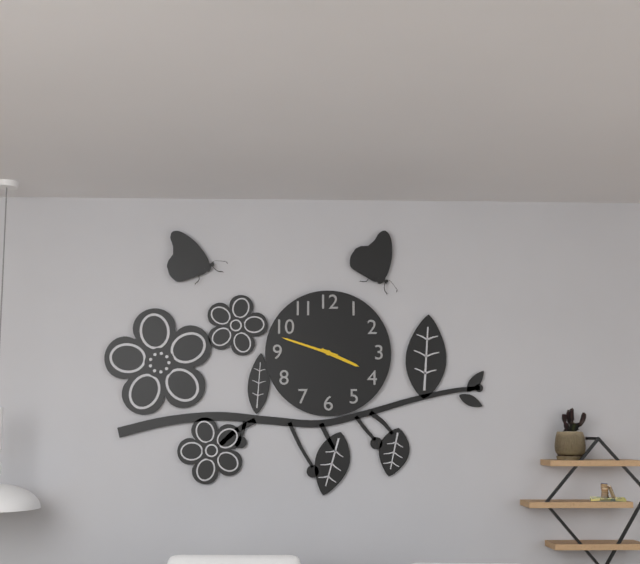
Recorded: h=3 m=48
